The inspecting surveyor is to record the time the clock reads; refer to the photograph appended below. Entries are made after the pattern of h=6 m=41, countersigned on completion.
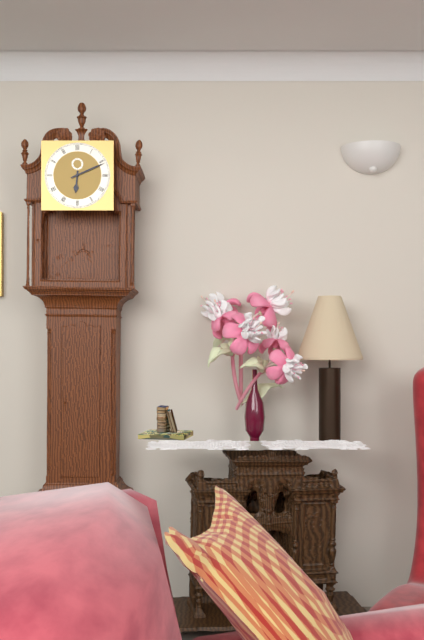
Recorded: h=6 m=11
